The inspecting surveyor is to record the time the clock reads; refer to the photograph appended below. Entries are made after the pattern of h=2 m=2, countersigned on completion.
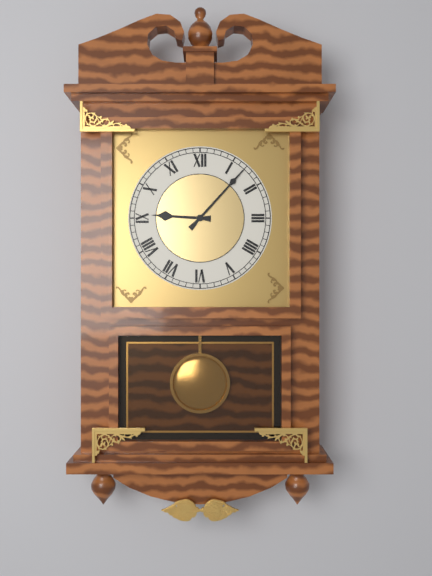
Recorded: h=9 m=7
